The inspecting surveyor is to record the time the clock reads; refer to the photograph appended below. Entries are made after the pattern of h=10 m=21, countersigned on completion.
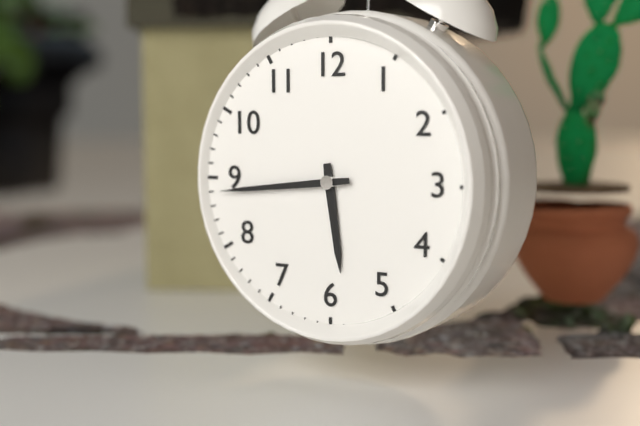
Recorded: h=5 m=44
